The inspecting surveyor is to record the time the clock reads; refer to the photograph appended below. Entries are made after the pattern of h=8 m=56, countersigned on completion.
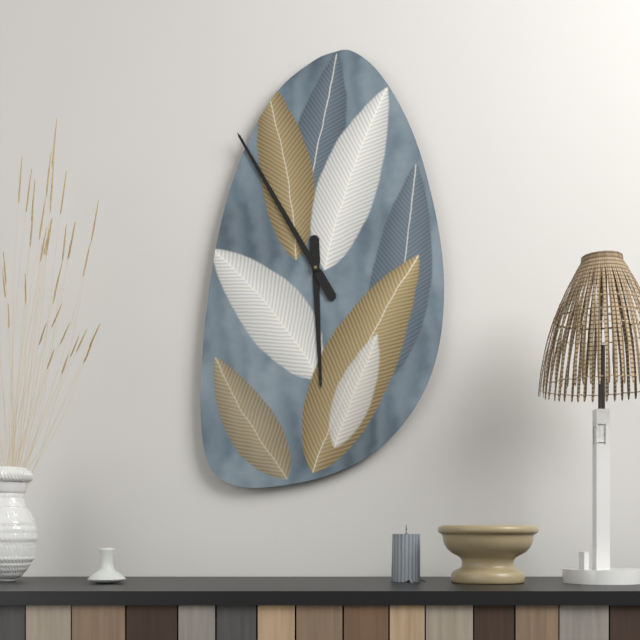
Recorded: h=5 m=55
